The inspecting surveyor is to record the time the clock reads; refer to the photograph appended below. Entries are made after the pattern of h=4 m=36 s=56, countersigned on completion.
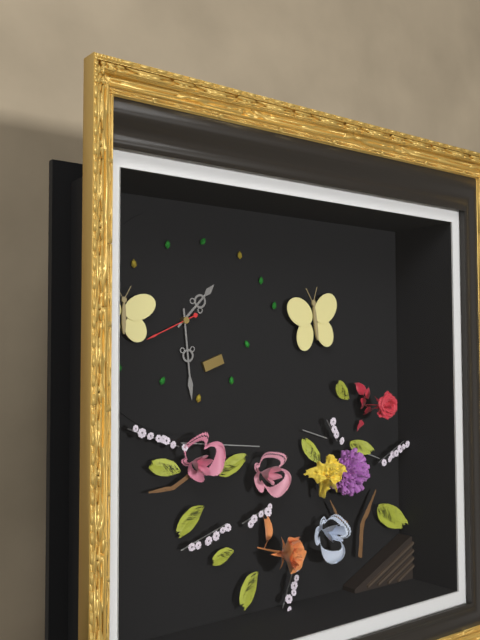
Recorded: h=1 m=29 s=41
